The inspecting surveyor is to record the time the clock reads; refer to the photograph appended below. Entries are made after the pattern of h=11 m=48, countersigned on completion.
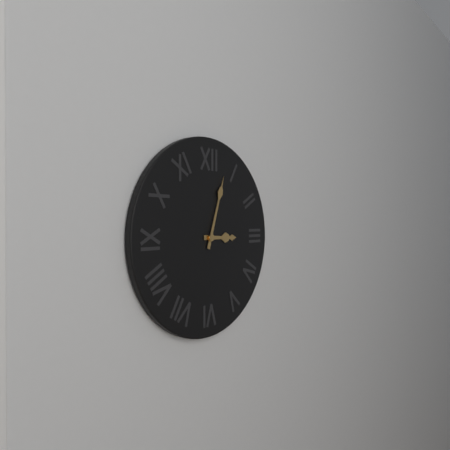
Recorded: h=3 m=3
